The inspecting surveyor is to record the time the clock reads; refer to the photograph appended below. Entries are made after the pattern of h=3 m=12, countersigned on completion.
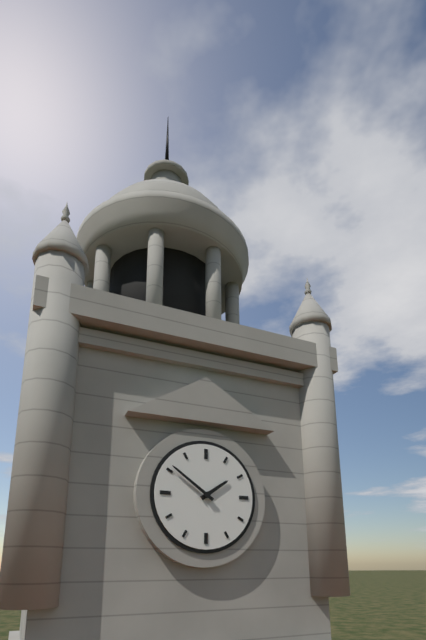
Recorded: h=1 m=51
